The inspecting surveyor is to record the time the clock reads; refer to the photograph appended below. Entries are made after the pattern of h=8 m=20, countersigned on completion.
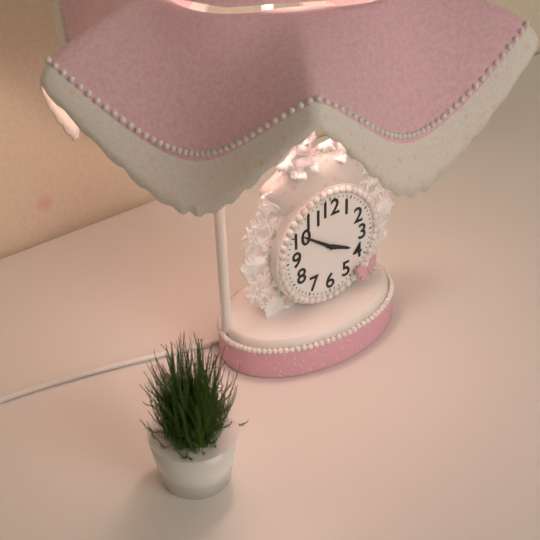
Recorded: h=3 m=51
